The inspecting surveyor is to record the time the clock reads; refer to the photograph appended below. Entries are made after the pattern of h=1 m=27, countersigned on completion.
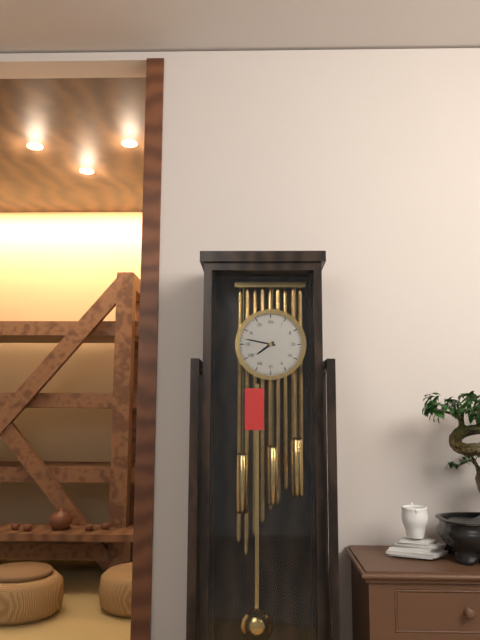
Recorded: h=7 m=47
